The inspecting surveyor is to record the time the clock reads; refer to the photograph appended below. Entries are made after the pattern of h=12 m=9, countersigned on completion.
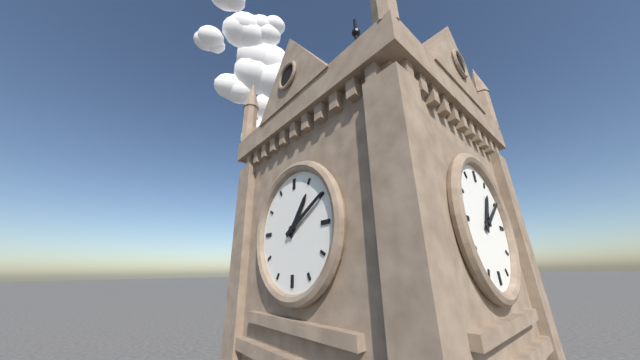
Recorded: h=1 m=10
